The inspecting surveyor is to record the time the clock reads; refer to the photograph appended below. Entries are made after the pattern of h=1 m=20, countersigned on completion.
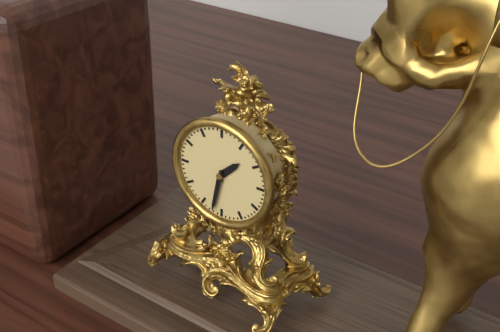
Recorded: h=1 m=32
